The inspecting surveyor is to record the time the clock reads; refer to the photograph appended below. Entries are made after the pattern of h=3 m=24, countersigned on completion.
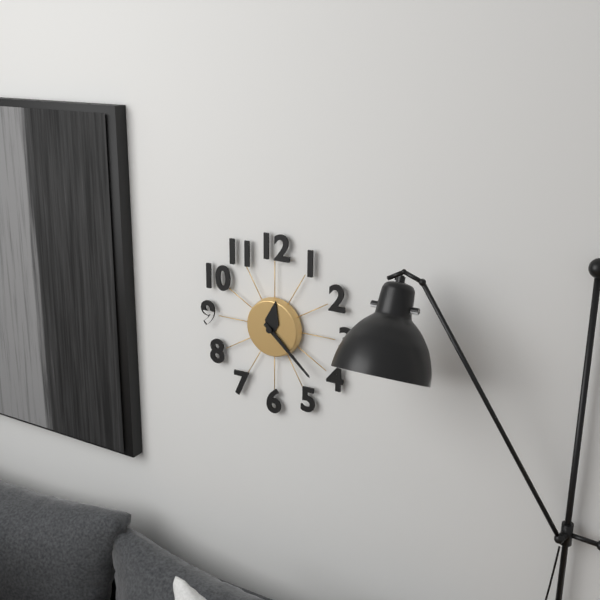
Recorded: h=12 m=22
